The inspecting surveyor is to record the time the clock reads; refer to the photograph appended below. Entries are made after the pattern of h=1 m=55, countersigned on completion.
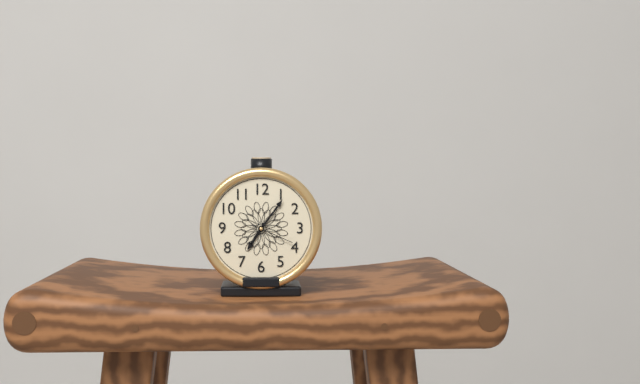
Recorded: h=7 m=6
